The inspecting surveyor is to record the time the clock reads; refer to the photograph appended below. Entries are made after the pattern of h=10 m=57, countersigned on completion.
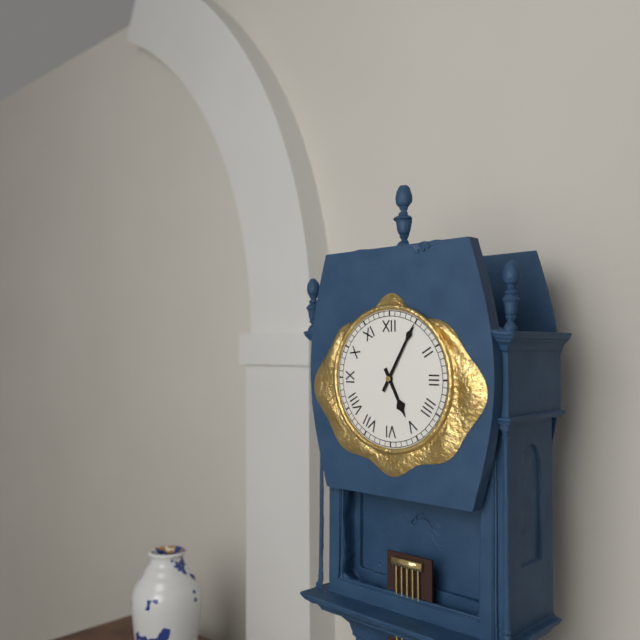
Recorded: h=5 m=5
